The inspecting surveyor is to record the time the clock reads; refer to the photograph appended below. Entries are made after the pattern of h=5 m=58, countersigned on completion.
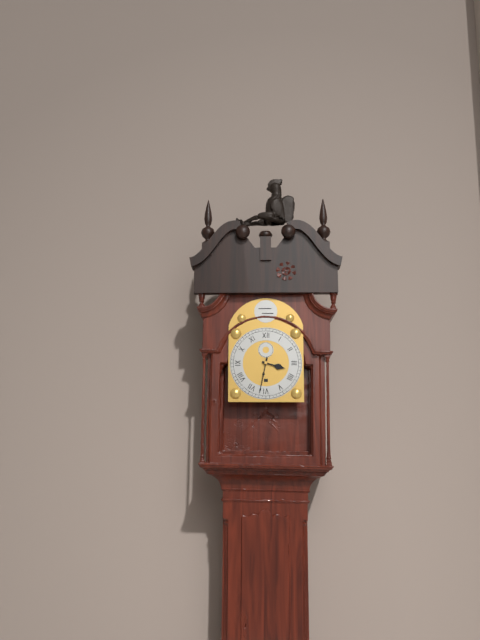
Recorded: h=3 m=32
